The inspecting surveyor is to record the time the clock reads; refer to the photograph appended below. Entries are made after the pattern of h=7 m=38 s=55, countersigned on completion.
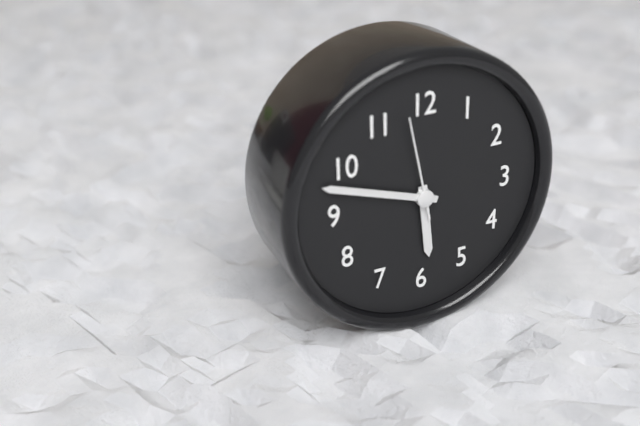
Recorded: h=5 m=48 s=58
